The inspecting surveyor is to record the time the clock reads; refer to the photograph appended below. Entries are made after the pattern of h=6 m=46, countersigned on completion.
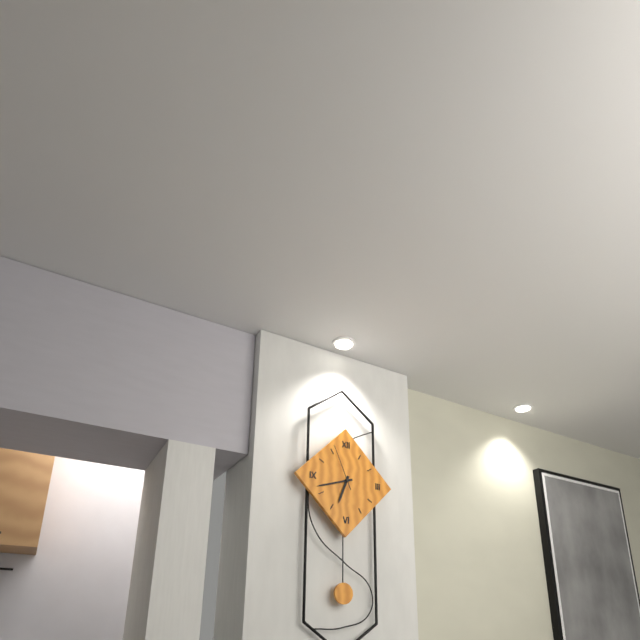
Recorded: h=6 m=42
